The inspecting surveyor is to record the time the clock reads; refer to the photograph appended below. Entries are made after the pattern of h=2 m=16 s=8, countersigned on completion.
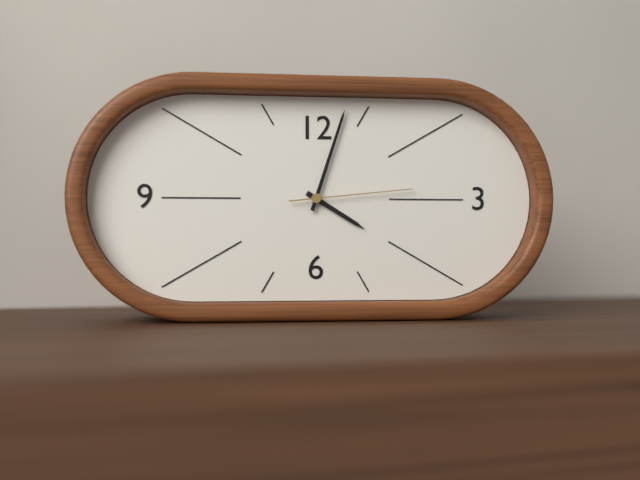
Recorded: h=4 m=3 s=14
